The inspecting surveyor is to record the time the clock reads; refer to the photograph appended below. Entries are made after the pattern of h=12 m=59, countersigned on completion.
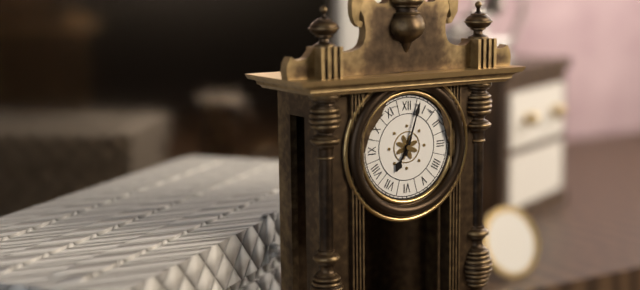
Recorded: h=7 m=3
